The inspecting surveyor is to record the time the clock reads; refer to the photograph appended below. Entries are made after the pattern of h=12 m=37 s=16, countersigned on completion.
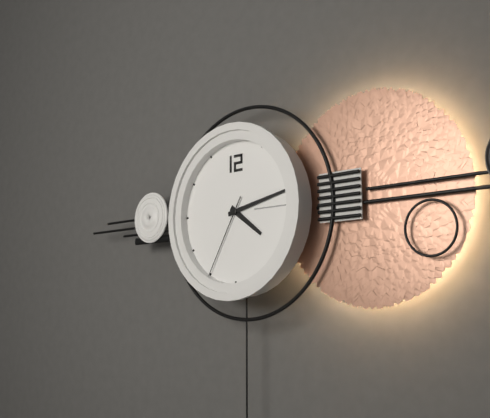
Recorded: h=4 m=13 s=35
